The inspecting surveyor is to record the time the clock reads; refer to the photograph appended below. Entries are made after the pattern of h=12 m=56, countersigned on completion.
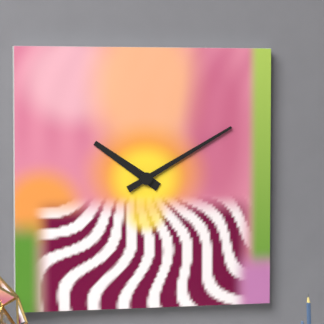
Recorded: h=10 m=10
